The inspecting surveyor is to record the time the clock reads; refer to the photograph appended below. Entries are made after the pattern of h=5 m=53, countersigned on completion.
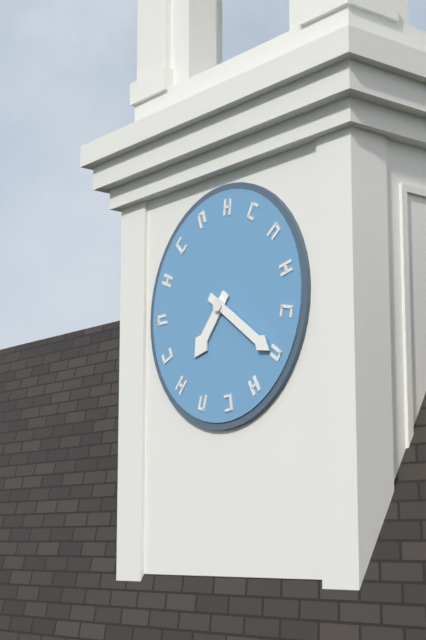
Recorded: h=7 m=21
